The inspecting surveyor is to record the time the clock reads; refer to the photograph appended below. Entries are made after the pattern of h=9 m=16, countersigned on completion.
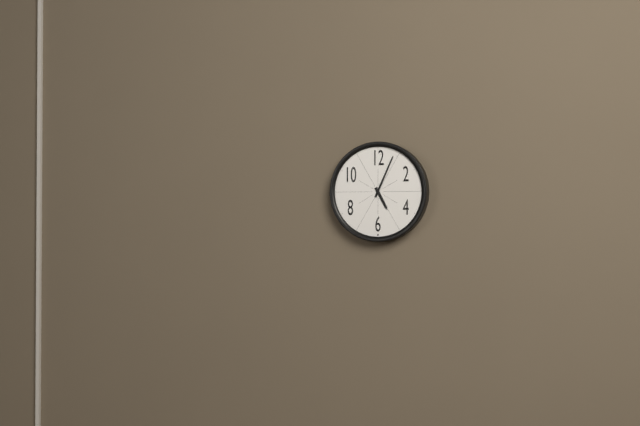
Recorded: h=5 m=4
